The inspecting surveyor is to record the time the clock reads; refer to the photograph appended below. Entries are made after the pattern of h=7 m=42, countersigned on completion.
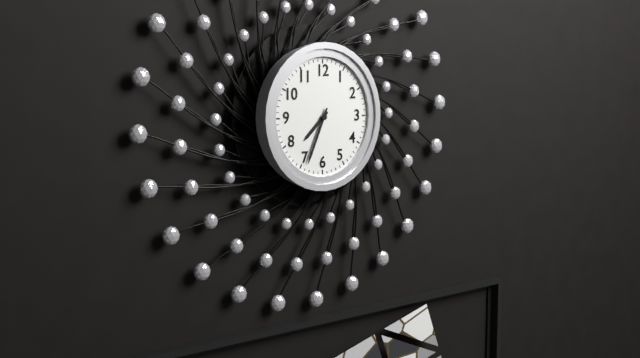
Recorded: h=7 m=34
